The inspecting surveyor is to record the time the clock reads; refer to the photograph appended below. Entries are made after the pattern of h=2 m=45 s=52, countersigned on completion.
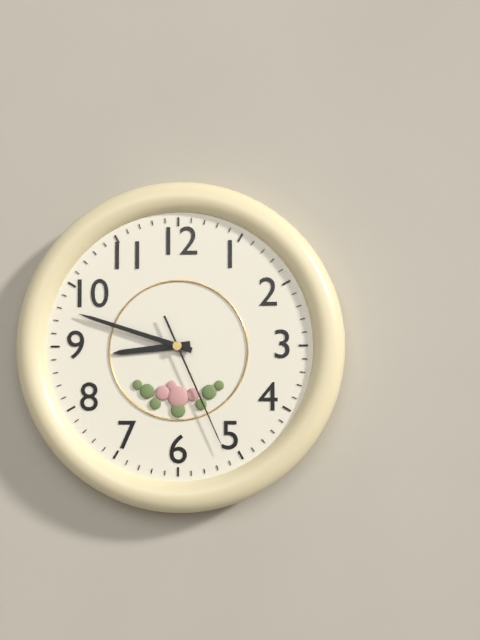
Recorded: h=8 m=48 s=26
